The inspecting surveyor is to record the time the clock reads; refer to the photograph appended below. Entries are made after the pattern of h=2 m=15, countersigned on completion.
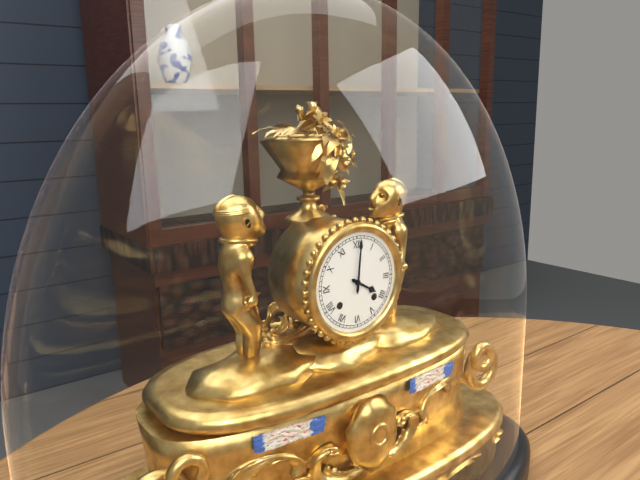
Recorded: h=4 m=1
